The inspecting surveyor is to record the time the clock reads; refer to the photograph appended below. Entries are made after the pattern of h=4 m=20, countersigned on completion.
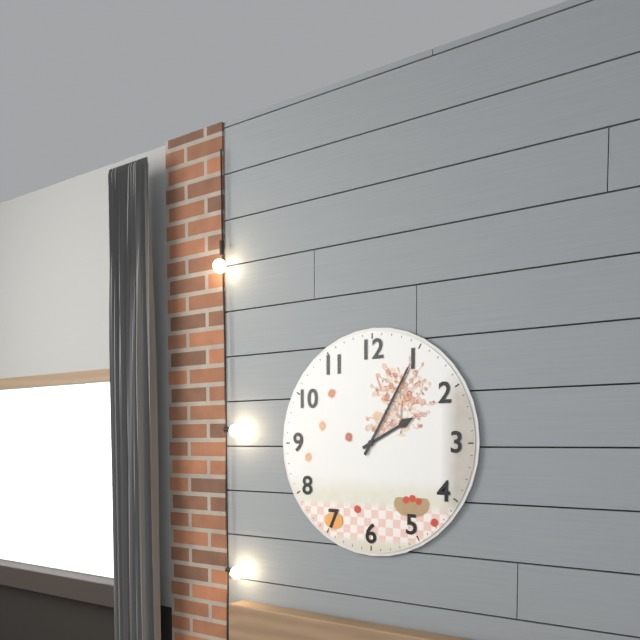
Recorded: h=2 m=5
